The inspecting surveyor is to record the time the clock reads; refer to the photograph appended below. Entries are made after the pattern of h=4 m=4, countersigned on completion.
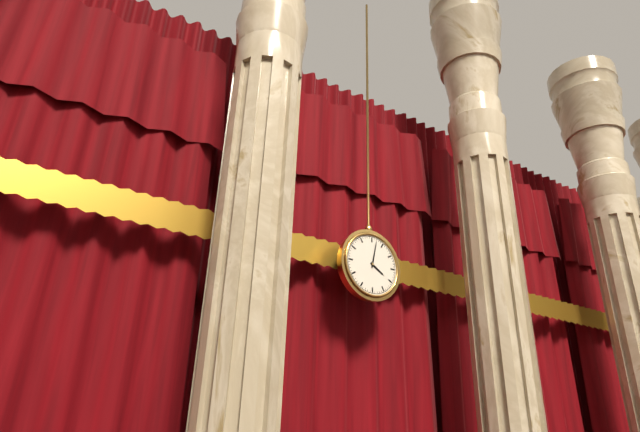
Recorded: h=4 m=2
